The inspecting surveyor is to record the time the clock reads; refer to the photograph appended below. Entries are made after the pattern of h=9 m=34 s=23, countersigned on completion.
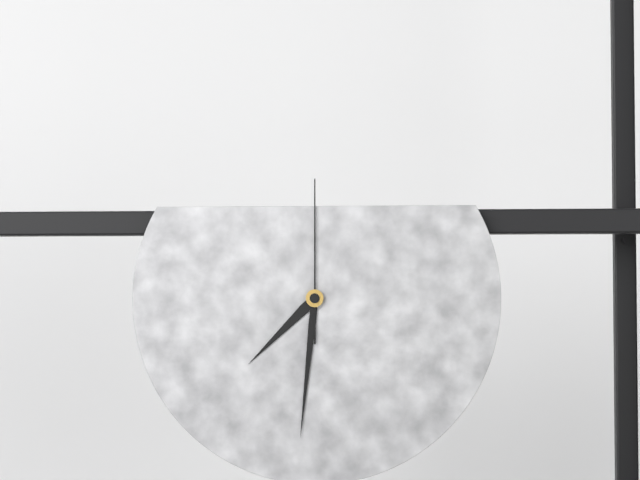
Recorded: h=7 m=31 s=0
